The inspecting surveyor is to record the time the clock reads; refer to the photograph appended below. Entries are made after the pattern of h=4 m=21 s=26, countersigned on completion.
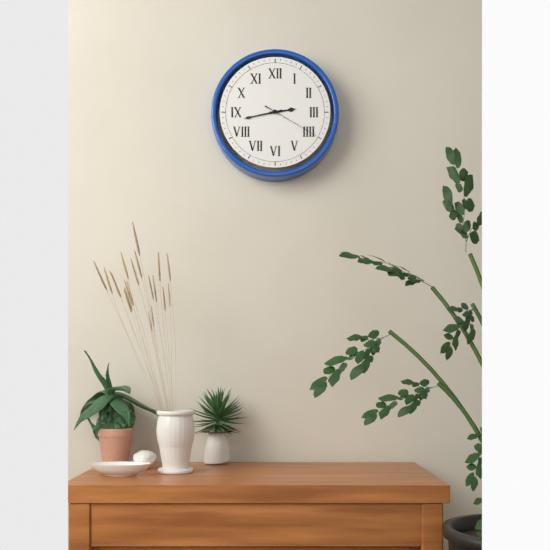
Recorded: h=2 m=43 s=20
